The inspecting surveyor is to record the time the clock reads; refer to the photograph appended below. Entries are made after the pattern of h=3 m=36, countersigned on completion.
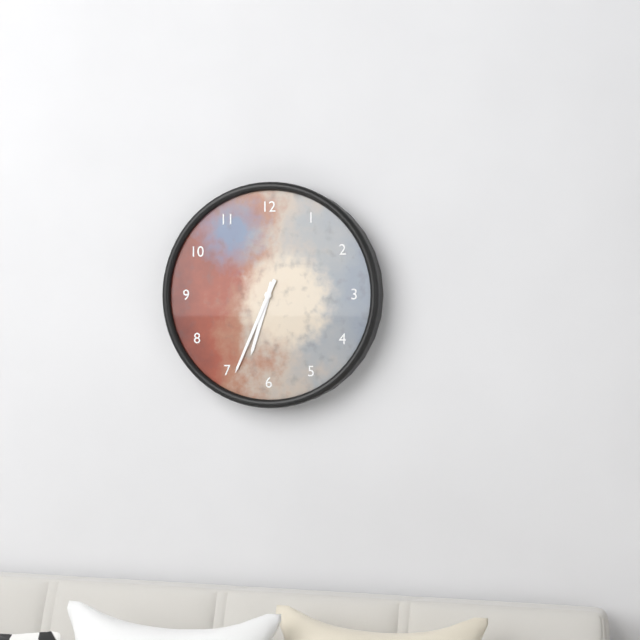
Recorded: h=6 m=34
